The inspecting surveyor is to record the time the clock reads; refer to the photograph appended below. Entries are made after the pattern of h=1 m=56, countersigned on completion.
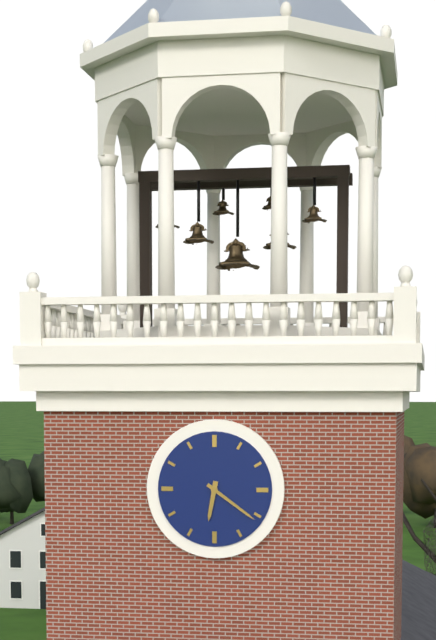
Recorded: h=6 m=21
